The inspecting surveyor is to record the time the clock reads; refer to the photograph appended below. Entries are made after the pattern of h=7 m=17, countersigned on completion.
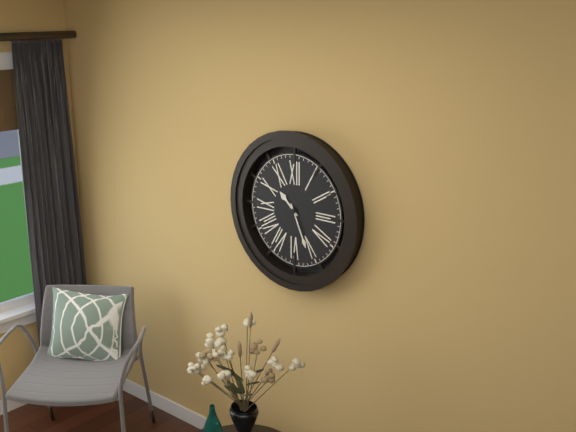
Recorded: h=10 m=26
